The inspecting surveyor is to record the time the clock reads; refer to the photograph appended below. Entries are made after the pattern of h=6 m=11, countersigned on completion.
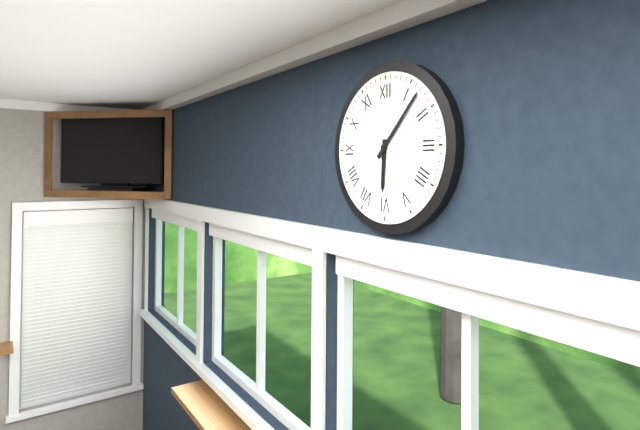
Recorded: h=6 m=7
